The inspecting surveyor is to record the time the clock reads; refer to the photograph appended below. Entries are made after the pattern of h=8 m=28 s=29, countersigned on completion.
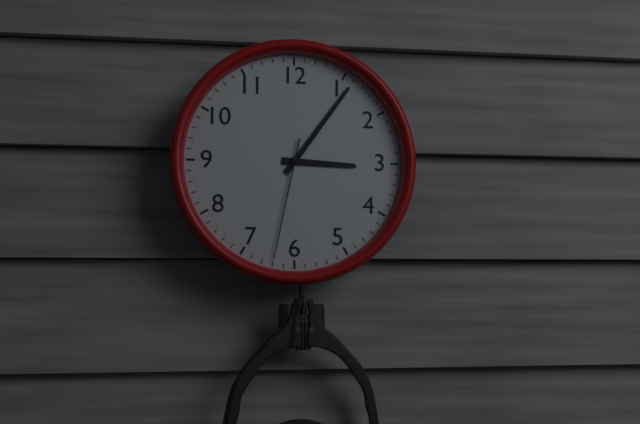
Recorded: h=3 m=6 s=32
